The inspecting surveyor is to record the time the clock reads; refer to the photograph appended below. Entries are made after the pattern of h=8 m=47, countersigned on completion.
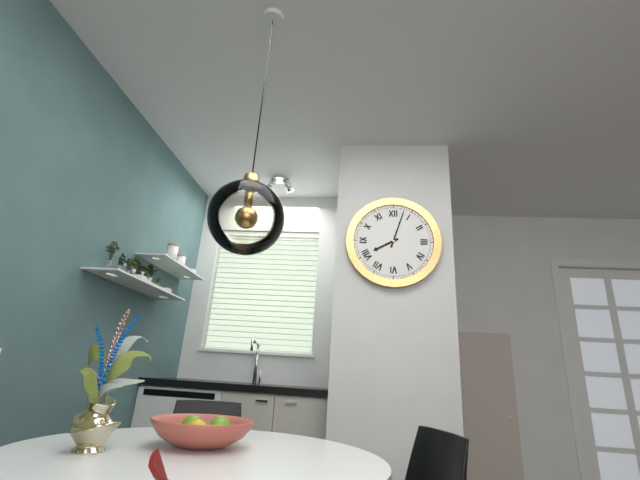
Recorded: h=8 m=3
